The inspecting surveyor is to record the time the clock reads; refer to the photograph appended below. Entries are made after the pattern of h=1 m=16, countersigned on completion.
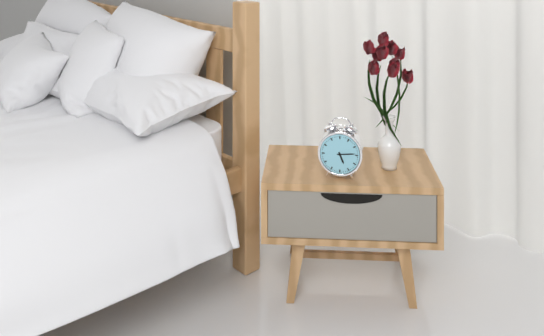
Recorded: h=5 m=14
